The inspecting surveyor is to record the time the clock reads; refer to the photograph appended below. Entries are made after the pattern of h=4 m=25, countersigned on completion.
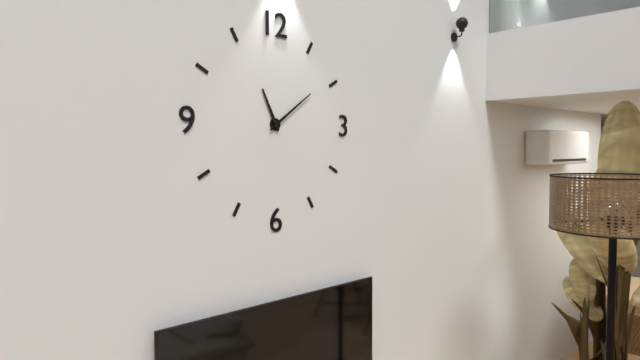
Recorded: h=11 m=9
